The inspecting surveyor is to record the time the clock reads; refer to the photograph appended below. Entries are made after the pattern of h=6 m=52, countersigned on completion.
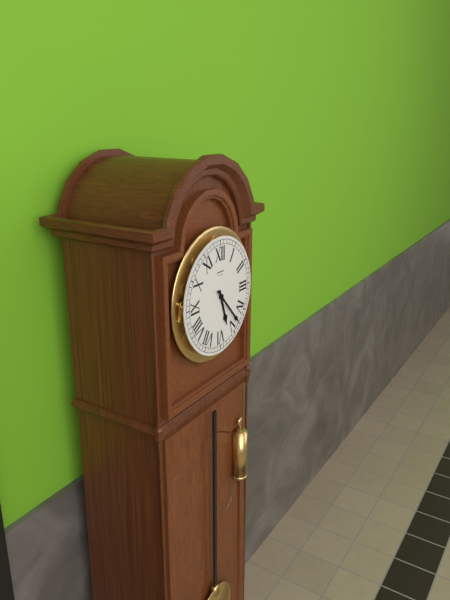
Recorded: h=5 m=23
